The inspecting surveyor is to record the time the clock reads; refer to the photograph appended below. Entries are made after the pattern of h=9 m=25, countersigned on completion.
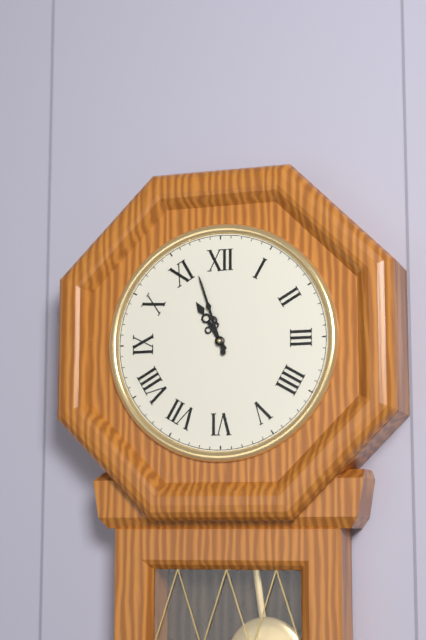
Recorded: h=10 m=57
